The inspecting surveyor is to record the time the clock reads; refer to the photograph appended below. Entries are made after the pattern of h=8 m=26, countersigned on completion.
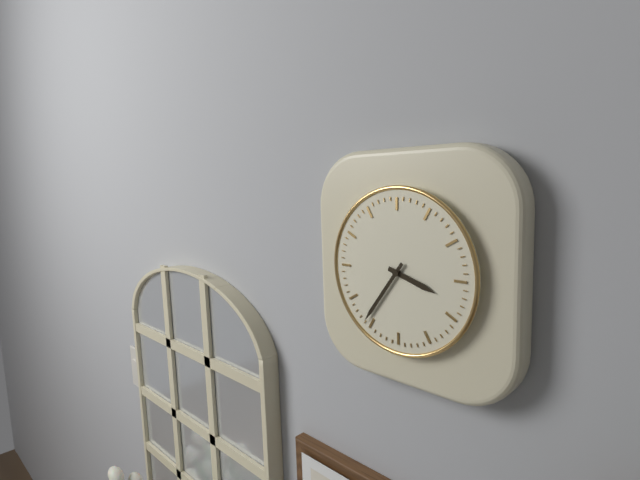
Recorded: h=3 m=36
